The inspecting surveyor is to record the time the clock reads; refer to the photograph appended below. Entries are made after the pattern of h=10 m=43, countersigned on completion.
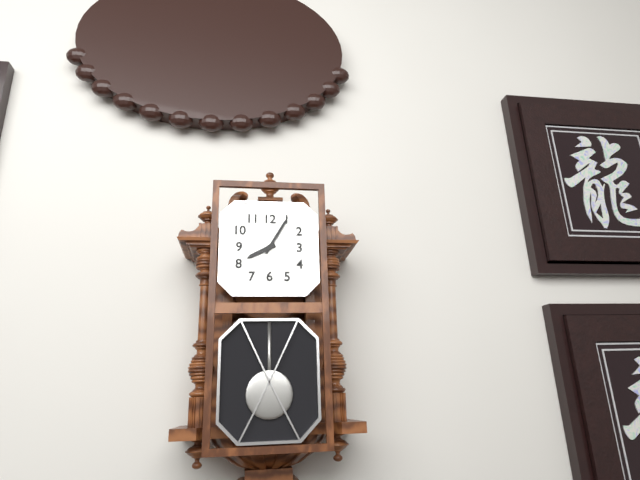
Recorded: h=8 m=5
